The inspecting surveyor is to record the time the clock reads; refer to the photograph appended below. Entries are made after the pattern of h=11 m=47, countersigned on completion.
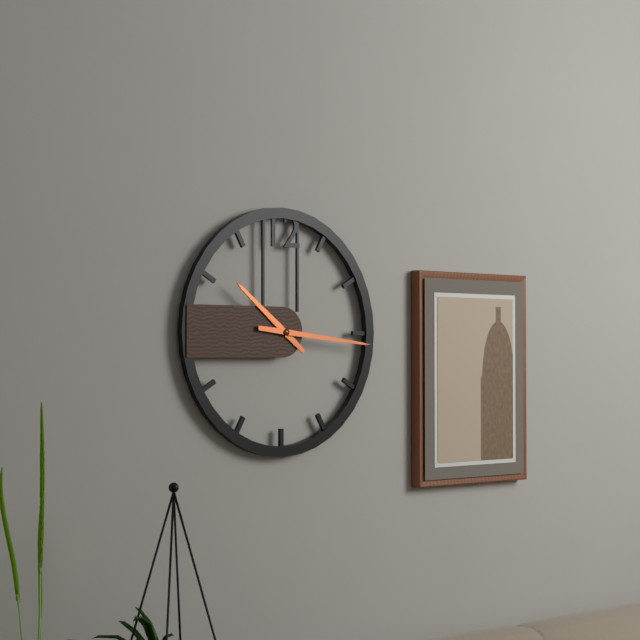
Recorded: h=10 m=16
